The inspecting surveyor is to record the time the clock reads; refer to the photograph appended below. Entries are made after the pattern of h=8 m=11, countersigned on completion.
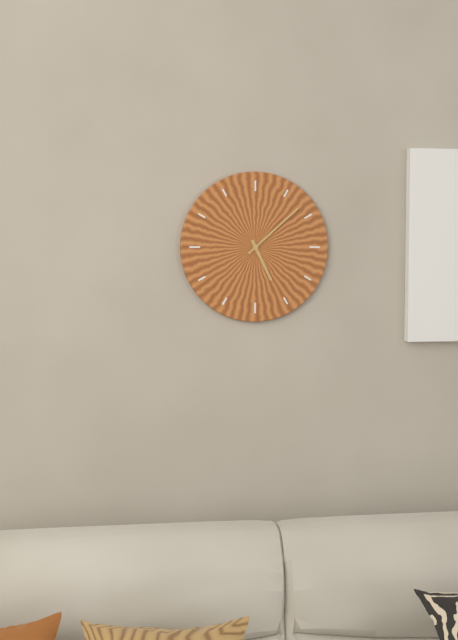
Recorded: h=5 m=8
